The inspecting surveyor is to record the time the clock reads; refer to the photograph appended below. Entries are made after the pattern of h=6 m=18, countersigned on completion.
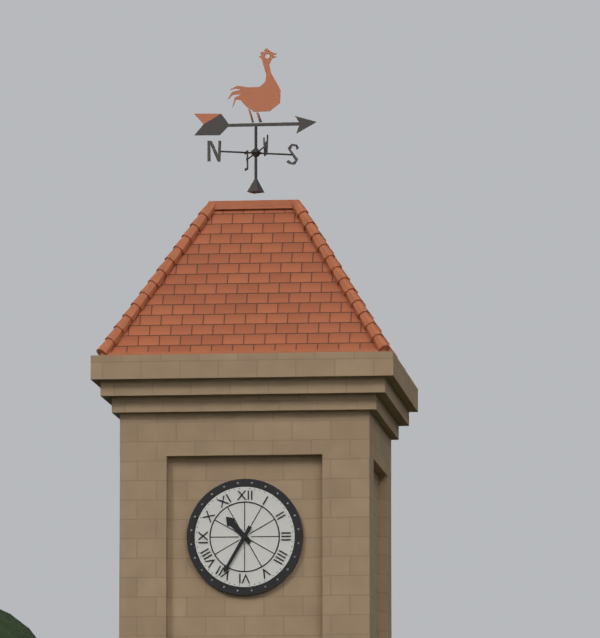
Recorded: h=10 m=35
